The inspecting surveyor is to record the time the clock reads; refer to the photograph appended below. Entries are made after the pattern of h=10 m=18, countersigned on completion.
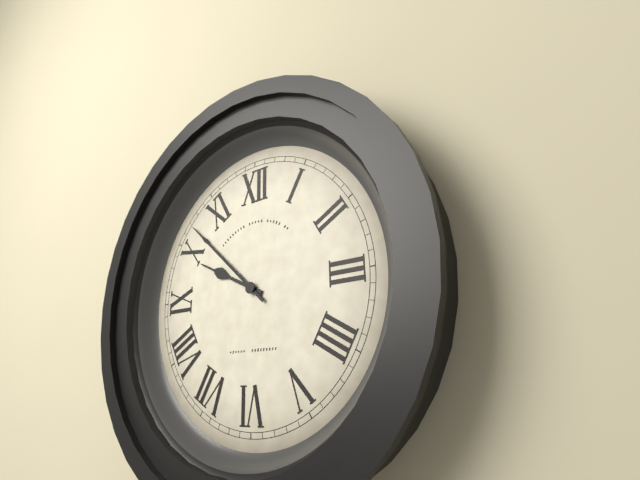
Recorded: h=9 m=52
